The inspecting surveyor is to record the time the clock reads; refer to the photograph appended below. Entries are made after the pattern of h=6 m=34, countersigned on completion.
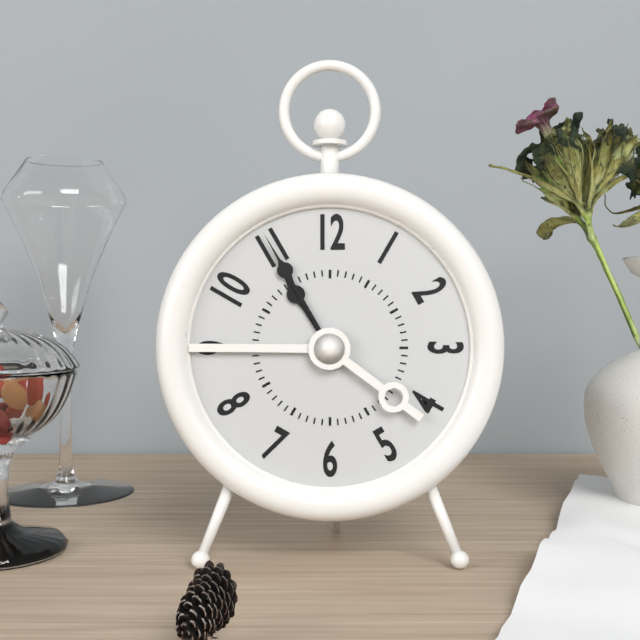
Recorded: h=10 m=55
